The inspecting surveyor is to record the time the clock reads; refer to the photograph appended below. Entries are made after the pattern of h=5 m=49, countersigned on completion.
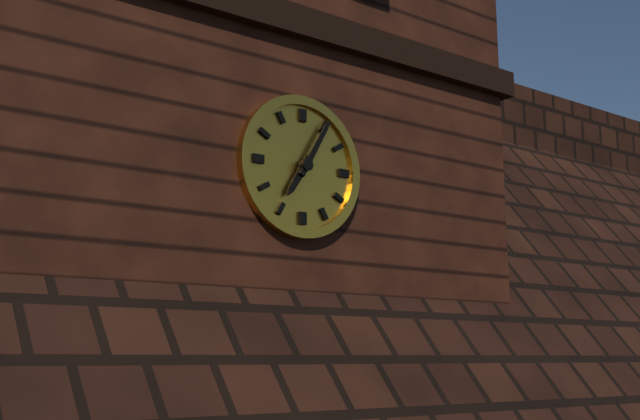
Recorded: h=7 m=5
